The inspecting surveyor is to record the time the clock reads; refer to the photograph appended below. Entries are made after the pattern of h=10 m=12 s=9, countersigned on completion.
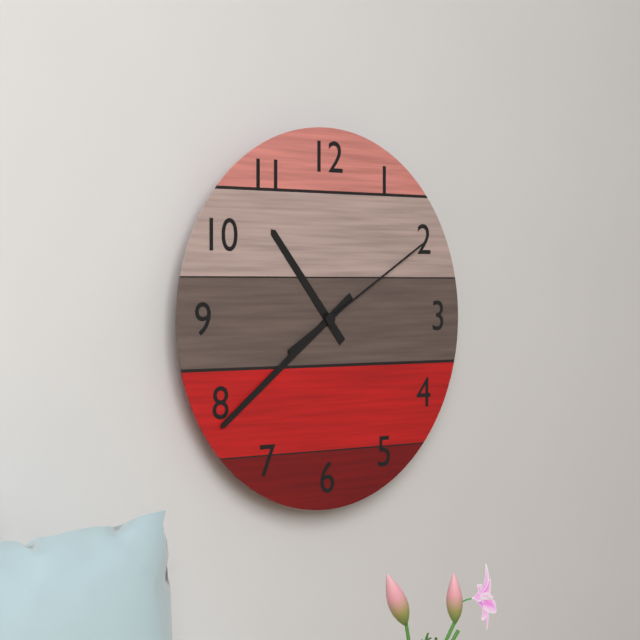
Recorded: h=10 m=39 s=10
